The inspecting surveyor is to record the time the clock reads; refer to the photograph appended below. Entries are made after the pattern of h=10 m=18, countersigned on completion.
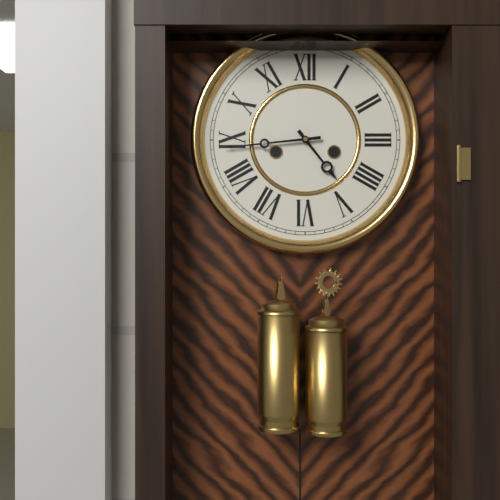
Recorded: h=4 m=44
